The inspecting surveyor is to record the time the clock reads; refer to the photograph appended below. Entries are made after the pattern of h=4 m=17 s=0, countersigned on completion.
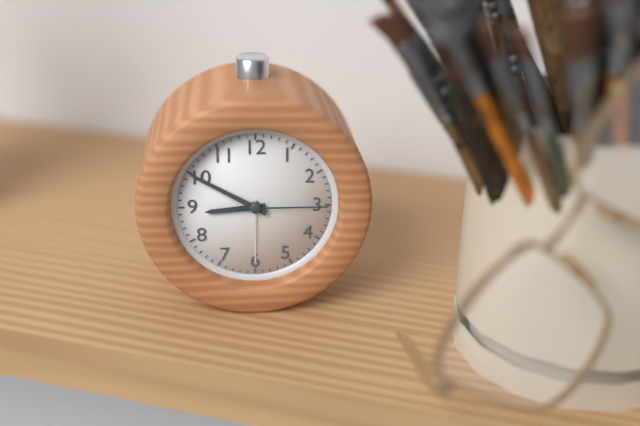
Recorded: h=8 m=50 s=15
